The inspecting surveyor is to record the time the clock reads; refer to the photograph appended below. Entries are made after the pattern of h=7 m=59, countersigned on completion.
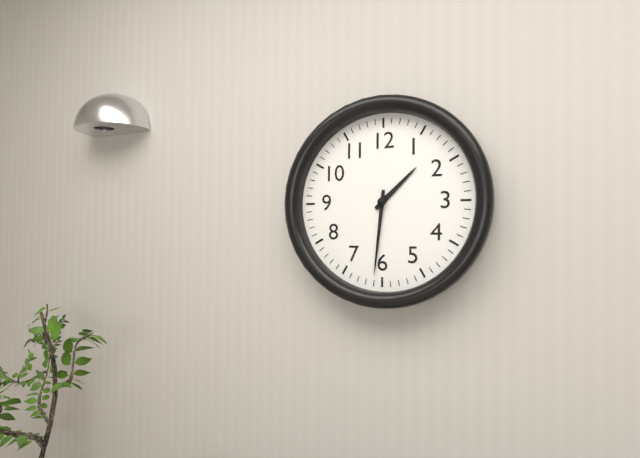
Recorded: h=1 m=31
